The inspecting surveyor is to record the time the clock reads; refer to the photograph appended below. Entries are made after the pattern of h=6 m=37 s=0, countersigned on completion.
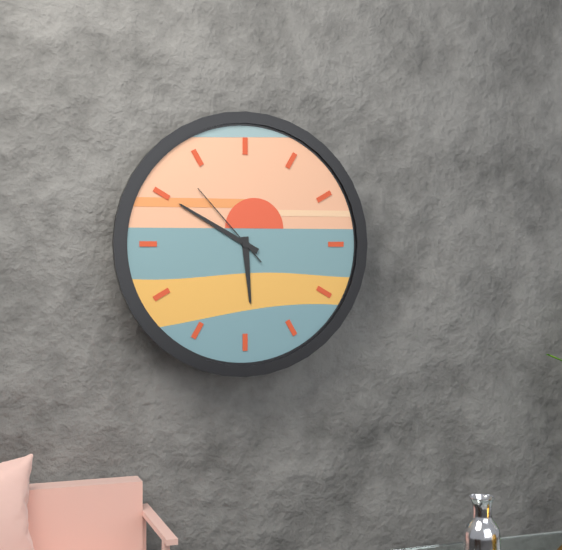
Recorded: h=5 m=50 s=53
